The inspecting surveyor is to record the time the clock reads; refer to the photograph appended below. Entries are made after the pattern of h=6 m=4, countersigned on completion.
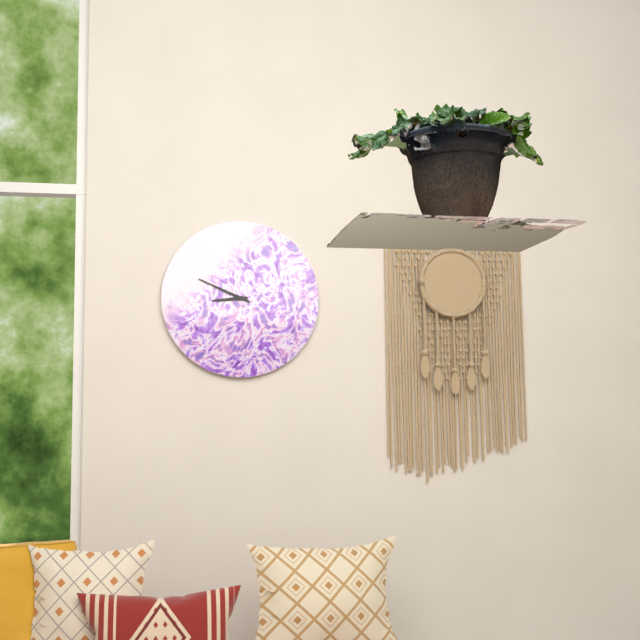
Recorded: h=8 m=49
